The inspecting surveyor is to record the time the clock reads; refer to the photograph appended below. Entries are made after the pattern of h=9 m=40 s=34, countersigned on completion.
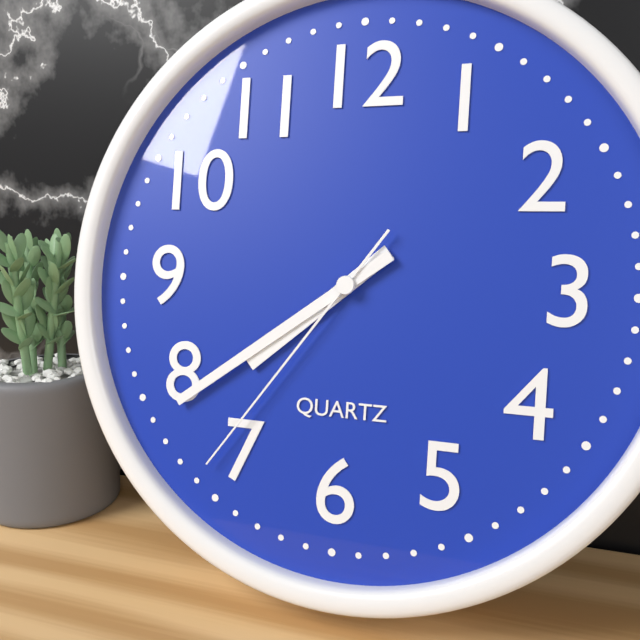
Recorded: h=7 m=39 s=36
